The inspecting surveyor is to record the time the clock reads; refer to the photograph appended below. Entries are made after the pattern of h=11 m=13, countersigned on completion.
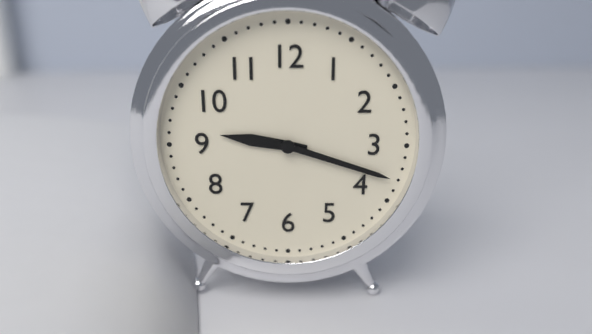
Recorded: h=9 m=18
